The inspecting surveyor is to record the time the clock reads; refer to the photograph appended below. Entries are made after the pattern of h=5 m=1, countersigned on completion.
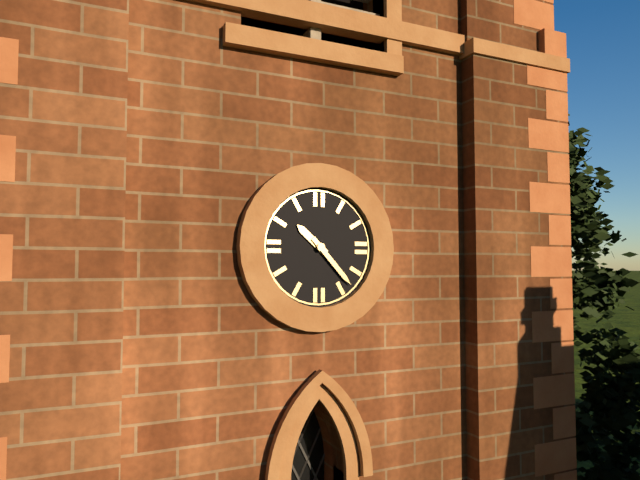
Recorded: h=10 m=23
